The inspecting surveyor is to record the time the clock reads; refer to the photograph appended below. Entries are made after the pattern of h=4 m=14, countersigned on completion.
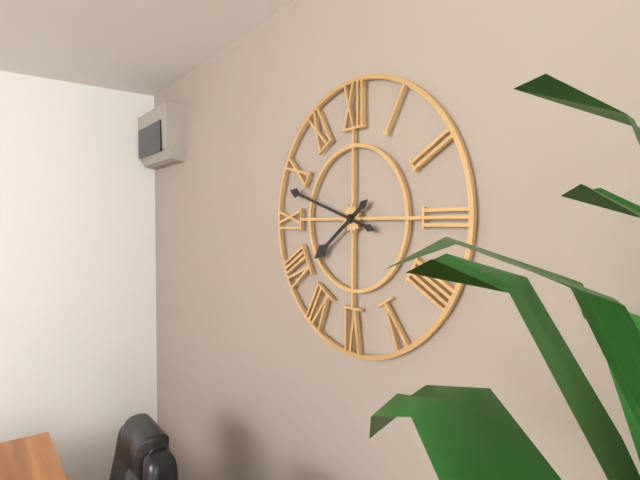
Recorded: h=7 m=48
